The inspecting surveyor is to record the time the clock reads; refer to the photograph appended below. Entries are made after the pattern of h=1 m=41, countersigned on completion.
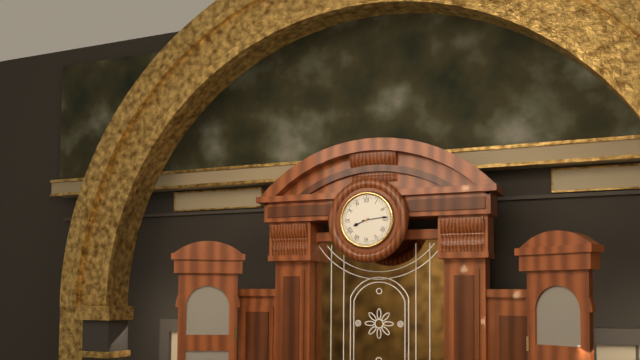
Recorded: h=8 m=14
